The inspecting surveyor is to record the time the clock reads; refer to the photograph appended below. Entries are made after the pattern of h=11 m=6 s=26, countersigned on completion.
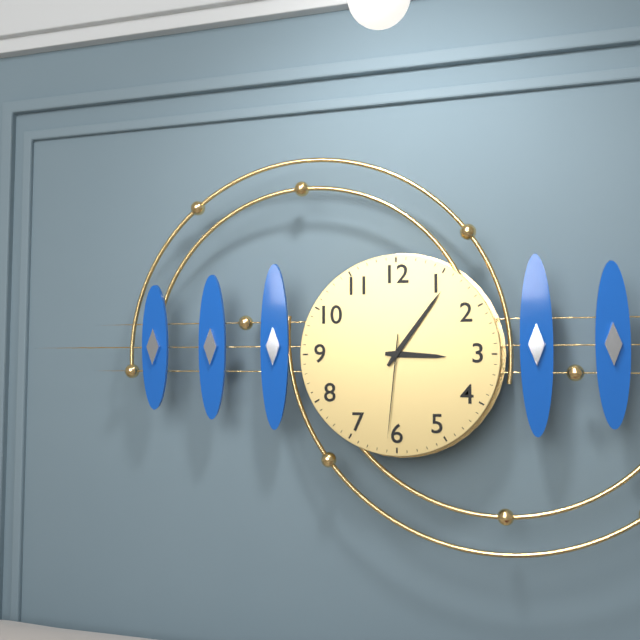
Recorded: h=3 m=6 s=31
